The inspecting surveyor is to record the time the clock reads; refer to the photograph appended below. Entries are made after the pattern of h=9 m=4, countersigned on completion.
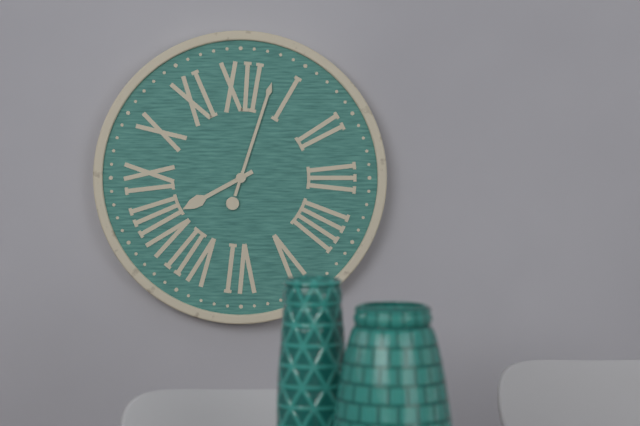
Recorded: h=8 m=3
